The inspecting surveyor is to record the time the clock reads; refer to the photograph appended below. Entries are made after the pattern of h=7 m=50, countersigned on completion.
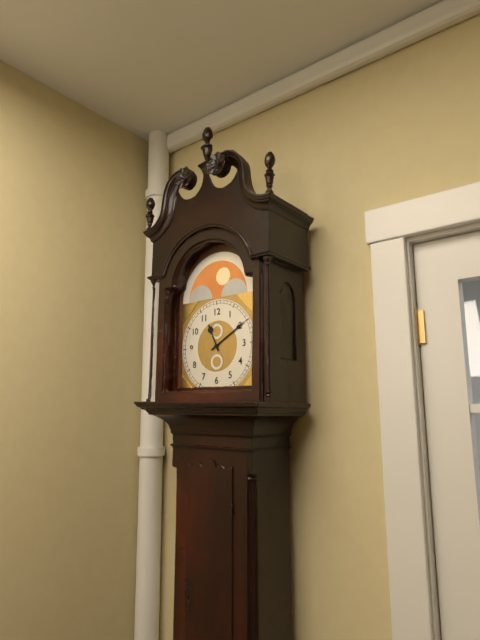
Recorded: h=11 m=10
